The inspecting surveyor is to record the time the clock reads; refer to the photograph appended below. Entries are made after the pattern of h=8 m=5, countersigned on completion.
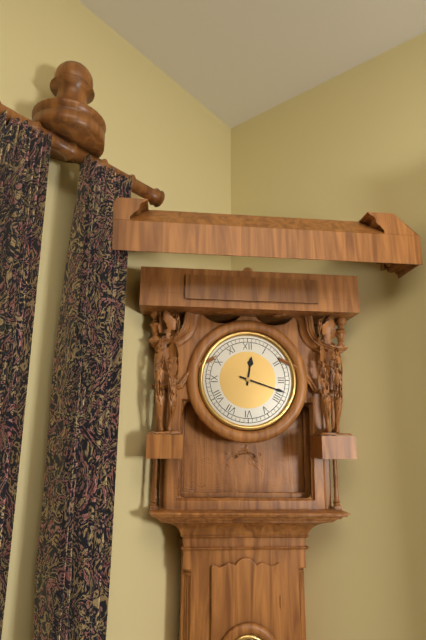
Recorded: h=12 m=18
